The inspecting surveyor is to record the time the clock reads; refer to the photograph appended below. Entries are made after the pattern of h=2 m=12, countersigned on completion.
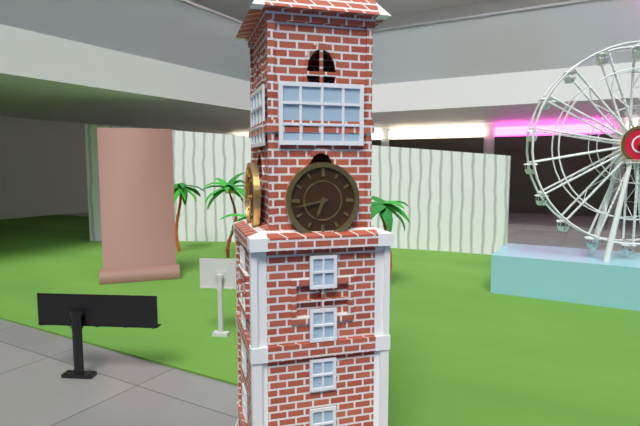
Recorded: h=6 m=43
